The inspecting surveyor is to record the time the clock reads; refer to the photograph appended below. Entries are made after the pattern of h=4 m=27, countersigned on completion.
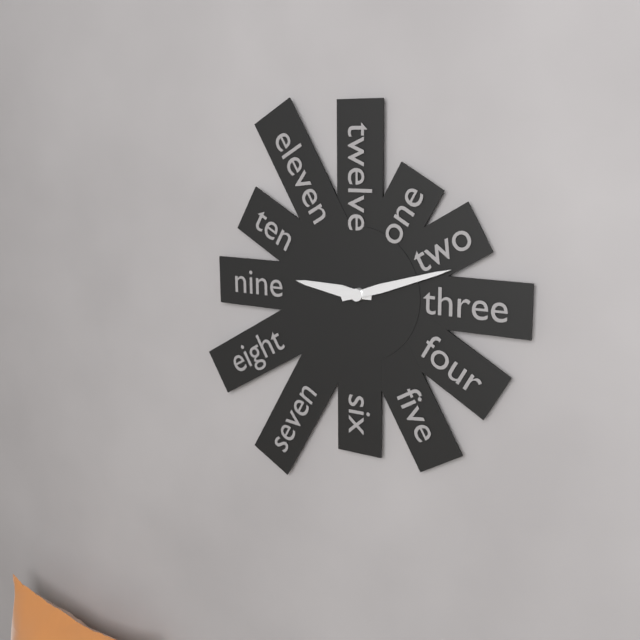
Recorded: h=9 m=12
